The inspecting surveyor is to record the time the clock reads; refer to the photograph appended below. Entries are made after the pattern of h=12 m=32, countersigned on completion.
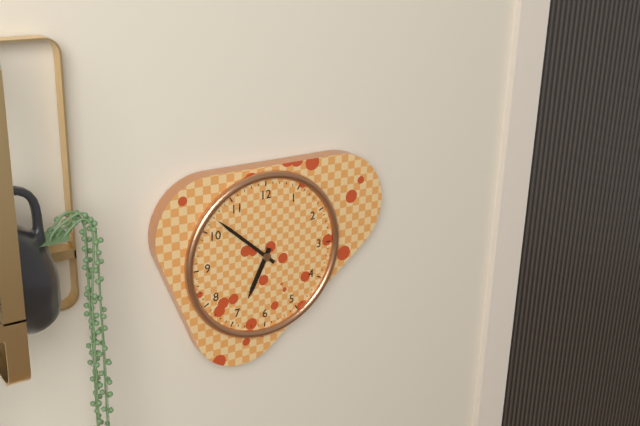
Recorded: h=6 m=52
